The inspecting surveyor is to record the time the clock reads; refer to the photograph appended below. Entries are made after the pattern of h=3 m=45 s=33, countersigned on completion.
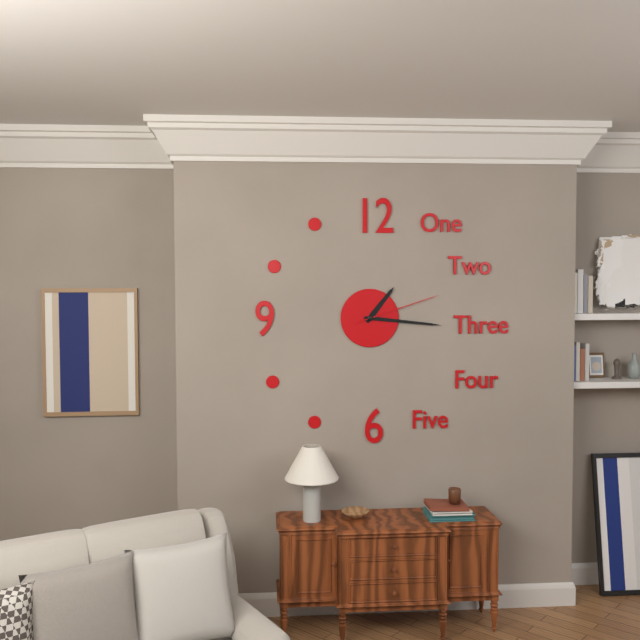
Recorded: h=1 m=16 s=12
